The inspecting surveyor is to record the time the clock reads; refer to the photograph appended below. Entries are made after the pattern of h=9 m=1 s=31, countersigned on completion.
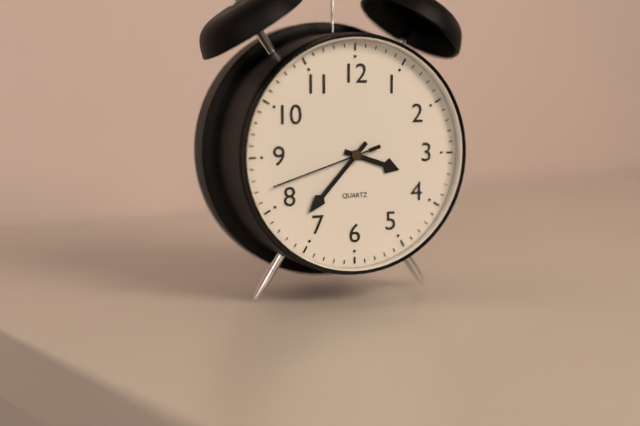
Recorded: h=3 m=37 s=42
